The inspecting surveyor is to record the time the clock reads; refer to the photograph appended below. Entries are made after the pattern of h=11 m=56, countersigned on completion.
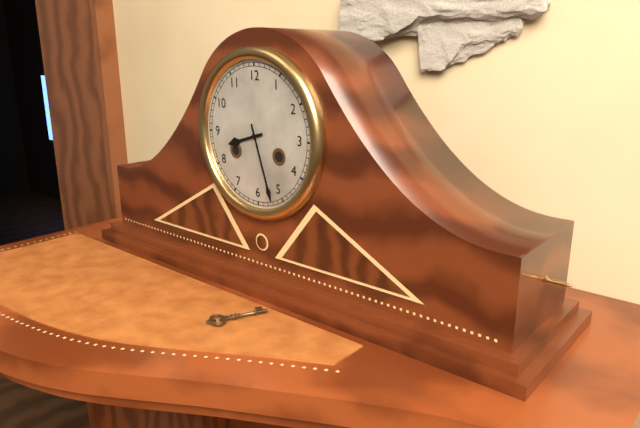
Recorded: h=8 m=27
